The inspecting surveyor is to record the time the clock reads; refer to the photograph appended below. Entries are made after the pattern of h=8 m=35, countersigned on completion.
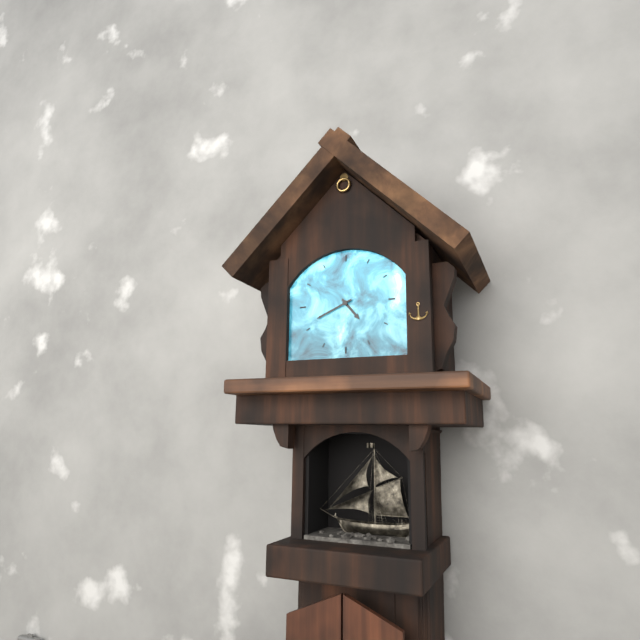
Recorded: h=4 m=41
